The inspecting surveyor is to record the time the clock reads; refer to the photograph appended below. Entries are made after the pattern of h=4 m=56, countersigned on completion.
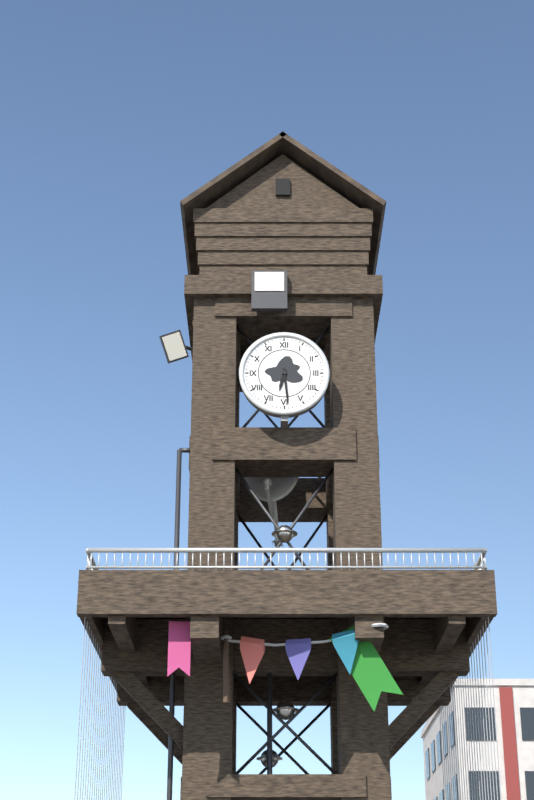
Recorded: h=6 m=29
